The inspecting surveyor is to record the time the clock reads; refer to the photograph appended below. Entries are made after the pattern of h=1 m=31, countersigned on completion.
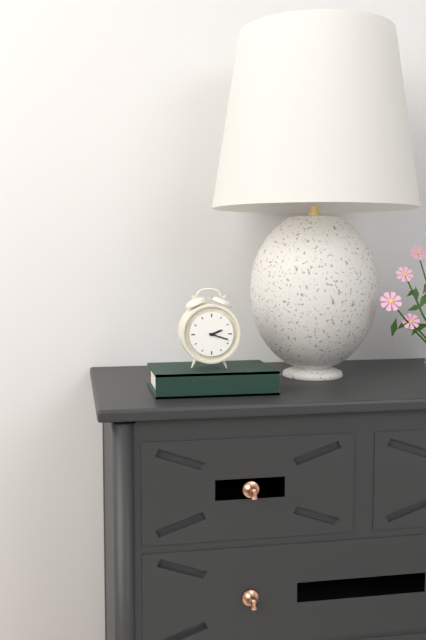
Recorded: h=2 m=18
